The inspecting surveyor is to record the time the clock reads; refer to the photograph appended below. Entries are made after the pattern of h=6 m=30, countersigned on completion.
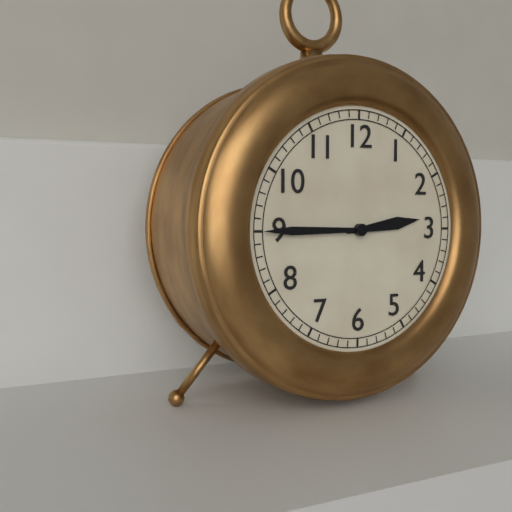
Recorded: h=2 m=45
